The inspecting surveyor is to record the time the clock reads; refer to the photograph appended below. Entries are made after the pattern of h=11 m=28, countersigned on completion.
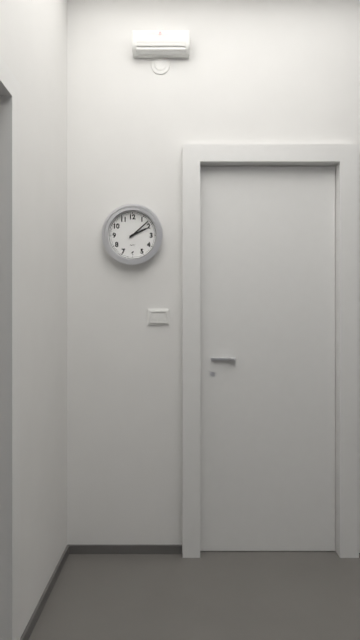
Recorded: h=2 m=8
